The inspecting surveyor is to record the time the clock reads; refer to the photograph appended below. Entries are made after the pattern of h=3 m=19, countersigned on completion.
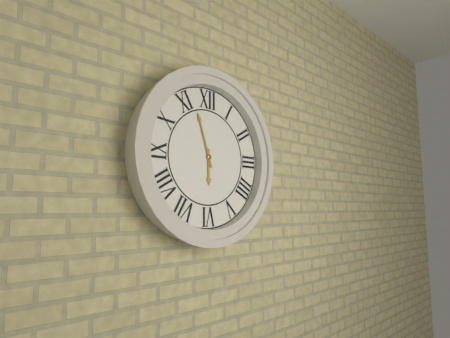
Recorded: h=5 m=57
